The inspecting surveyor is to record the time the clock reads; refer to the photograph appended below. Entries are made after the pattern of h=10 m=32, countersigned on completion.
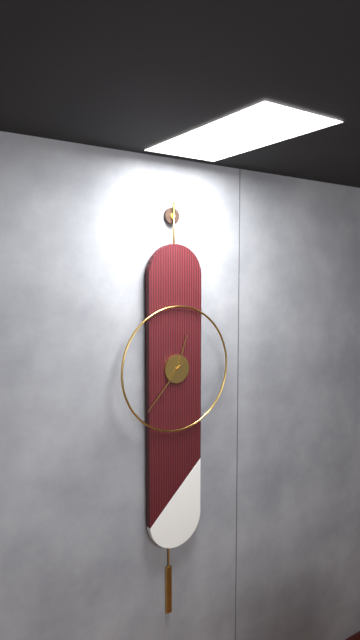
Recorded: h=12 m=37
